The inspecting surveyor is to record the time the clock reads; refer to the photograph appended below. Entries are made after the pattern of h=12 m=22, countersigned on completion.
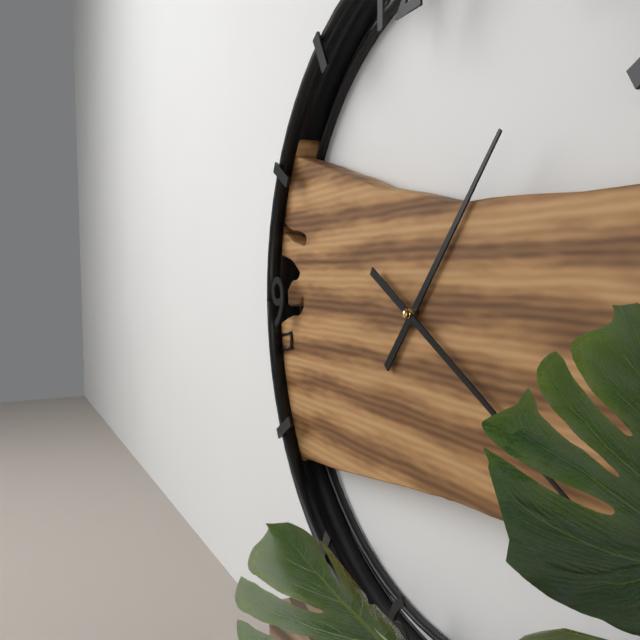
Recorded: h=1 m=20
